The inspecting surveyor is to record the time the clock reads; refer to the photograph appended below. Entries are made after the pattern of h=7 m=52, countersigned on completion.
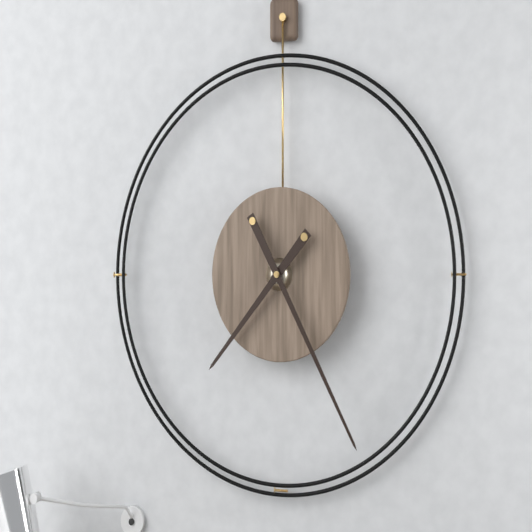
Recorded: h=7 m=25
